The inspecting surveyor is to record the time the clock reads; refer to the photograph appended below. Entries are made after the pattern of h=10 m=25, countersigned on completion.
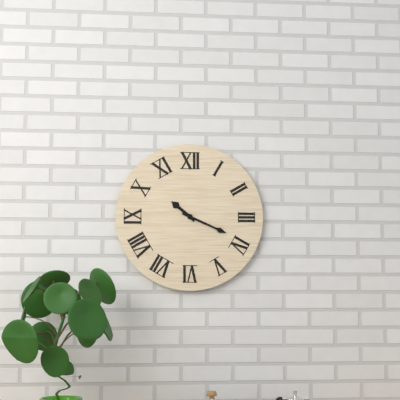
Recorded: h=10 m=19
